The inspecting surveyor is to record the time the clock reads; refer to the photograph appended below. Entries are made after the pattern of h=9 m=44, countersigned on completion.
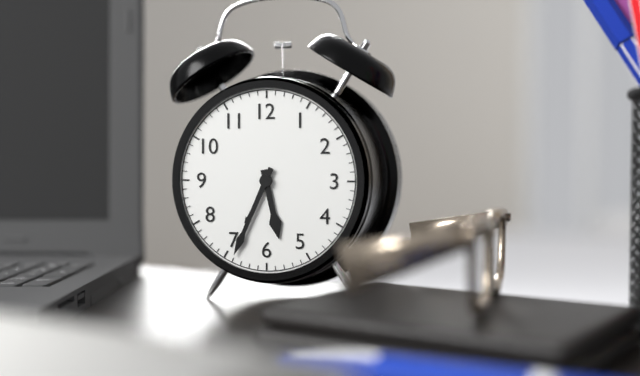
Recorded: h=5 m=34
